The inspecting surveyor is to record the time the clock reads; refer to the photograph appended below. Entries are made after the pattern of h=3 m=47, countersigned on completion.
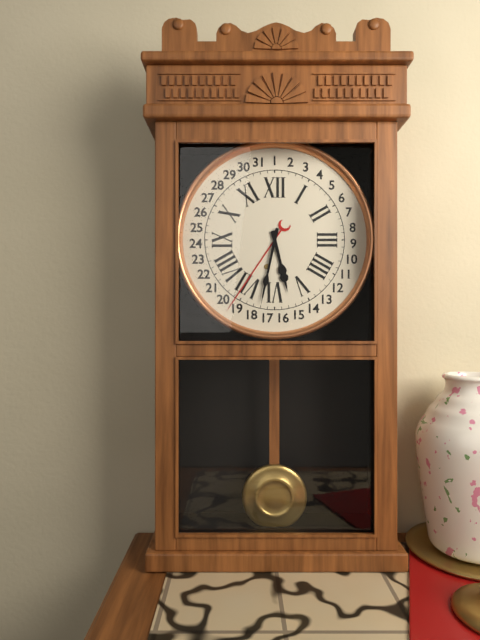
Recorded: h=5 m=32
